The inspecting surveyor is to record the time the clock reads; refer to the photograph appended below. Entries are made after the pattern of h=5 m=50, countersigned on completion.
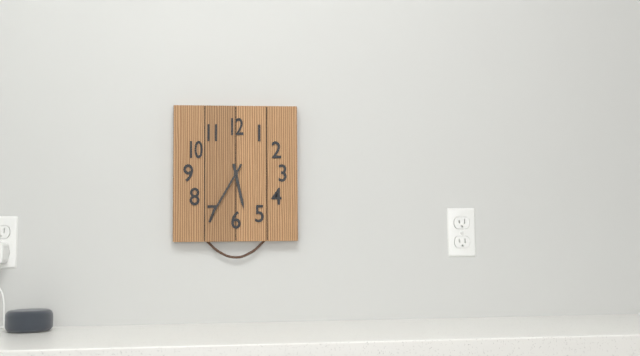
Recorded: h=5 m=35
